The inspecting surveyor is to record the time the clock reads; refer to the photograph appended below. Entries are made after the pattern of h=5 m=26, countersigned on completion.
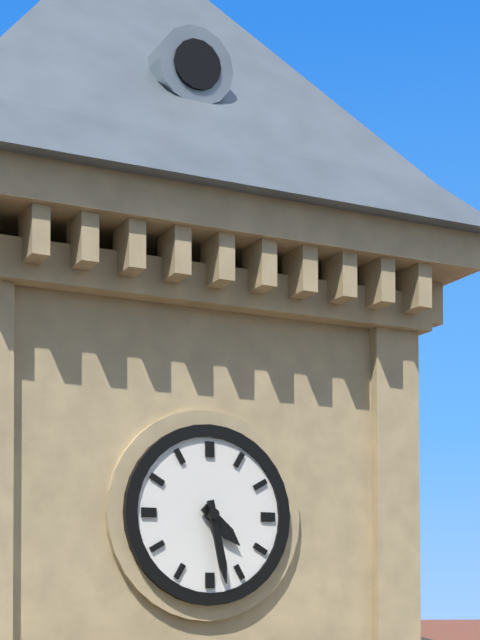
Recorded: h=4 m=28
